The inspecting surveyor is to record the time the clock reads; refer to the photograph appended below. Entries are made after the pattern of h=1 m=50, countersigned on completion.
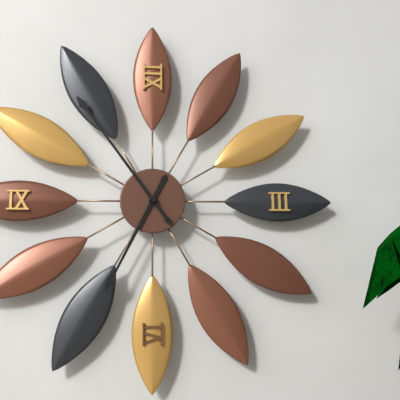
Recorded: h=6 m=54
